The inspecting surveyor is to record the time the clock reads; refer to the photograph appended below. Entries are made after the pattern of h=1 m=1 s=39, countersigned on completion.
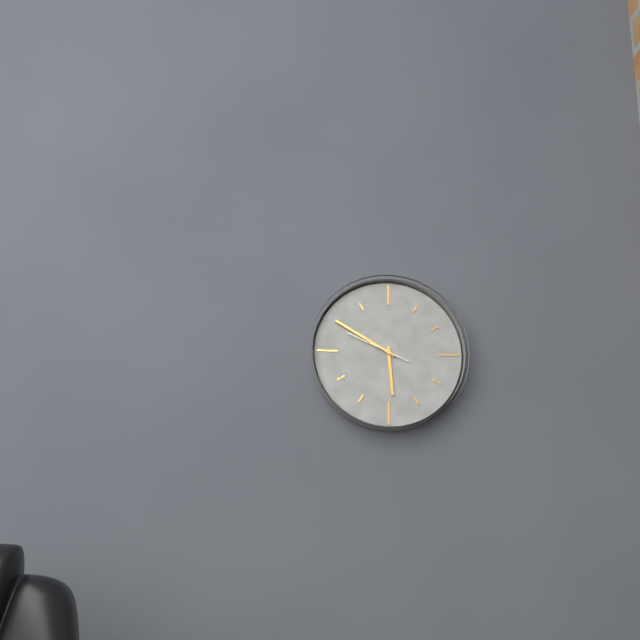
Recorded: h=5 m=50 s=49
